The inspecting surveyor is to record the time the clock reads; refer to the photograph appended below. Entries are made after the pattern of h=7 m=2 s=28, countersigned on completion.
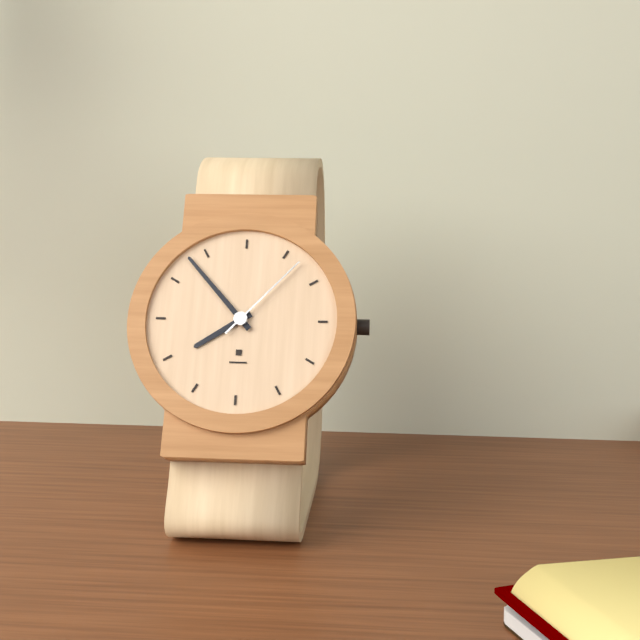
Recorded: h=7 m=53 s=7
